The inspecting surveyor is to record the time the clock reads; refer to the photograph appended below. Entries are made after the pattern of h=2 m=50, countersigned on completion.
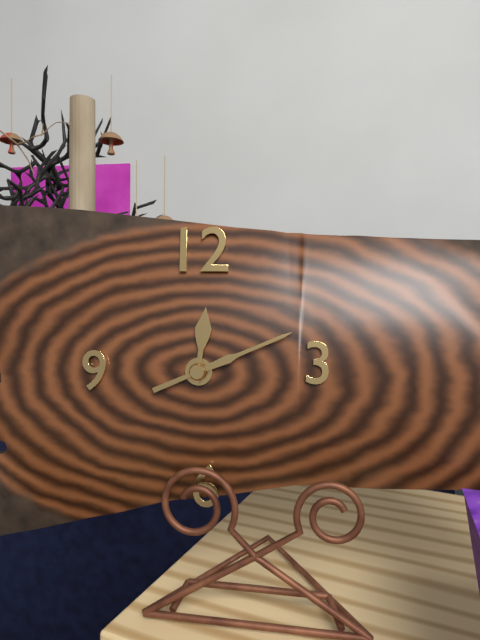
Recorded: h=12 m=11
